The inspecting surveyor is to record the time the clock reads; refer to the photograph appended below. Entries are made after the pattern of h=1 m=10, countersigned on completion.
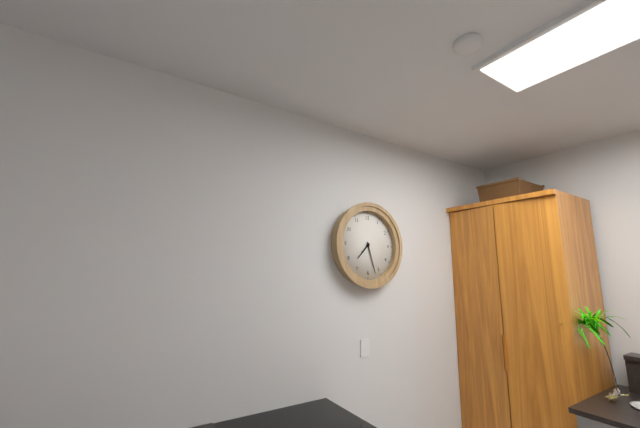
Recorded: h=7 m=27
